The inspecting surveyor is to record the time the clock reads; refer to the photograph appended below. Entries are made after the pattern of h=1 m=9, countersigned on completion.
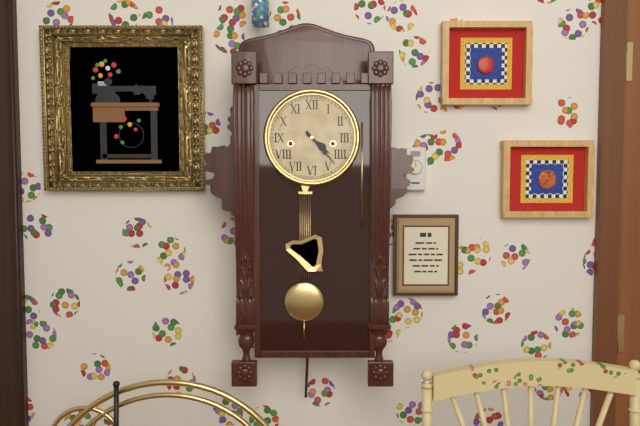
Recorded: h=4 m=23
